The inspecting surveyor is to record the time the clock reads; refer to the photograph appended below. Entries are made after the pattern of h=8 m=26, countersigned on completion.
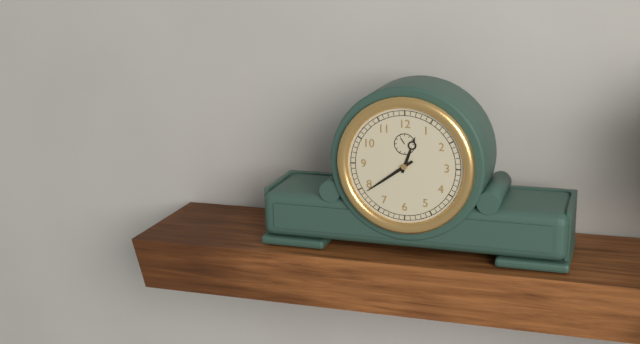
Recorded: h=12 m=39
